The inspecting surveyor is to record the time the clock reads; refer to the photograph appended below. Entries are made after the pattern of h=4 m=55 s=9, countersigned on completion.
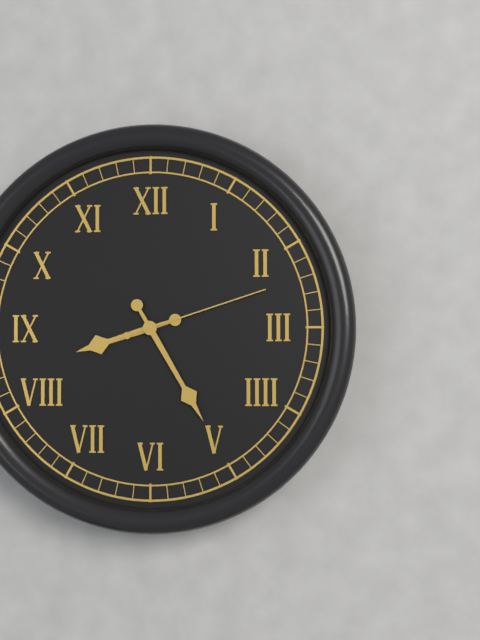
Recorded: h=8 m=25 s=12
